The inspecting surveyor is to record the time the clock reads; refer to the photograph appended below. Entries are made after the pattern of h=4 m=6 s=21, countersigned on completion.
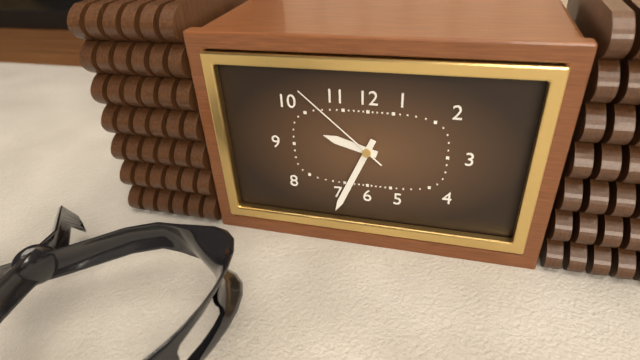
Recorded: h=9 m=34 s=52
